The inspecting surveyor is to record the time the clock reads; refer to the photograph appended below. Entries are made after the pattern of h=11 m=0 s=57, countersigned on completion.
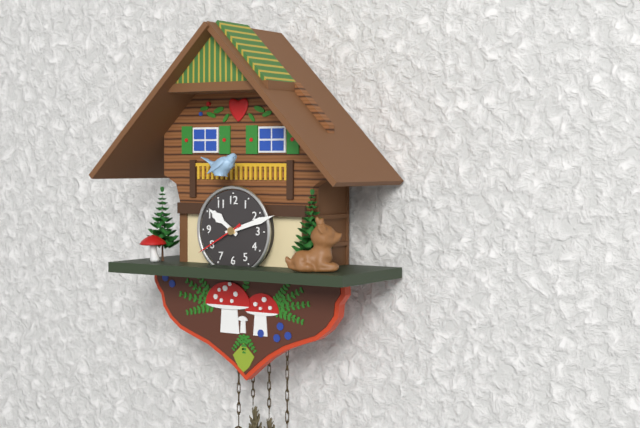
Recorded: h=10 m=12 s=40
